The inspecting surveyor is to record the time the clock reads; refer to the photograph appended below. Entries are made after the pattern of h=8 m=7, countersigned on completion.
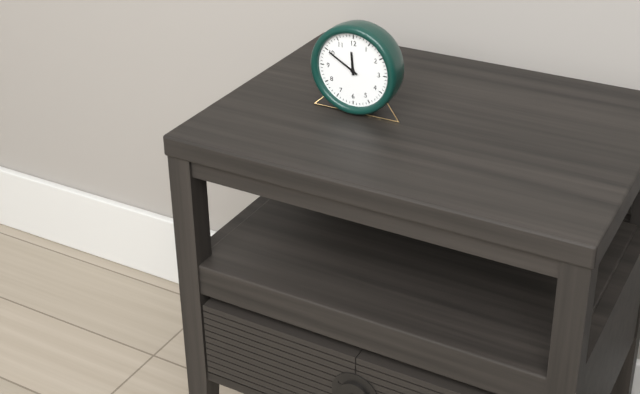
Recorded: h=11 m=50
